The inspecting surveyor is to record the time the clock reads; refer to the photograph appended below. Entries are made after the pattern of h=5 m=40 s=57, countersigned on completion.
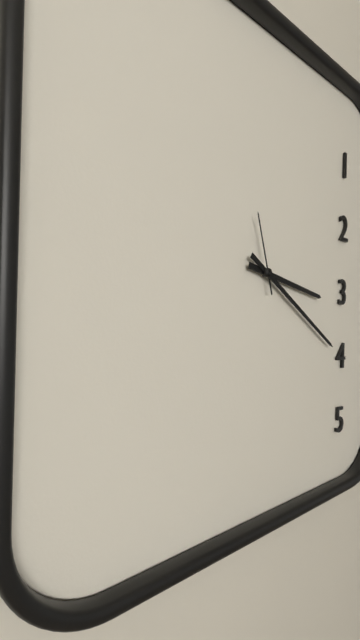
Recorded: h=3 m=20 s=57
